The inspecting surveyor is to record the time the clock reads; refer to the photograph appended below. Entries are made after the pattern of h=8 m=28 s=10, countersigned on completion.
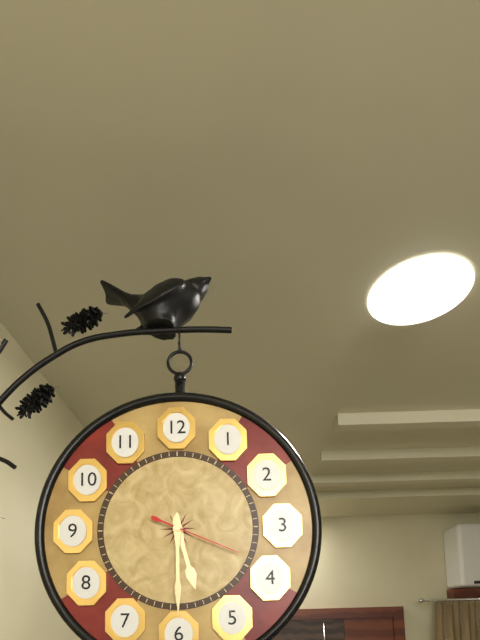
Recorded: h=5 m=30 s=19
